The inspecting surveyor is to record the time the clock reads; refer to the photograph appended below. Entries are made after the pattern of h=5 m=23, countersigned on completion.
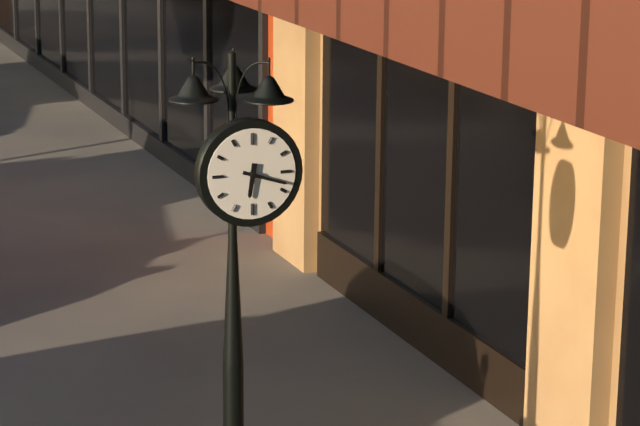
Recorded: h=6 m=18
